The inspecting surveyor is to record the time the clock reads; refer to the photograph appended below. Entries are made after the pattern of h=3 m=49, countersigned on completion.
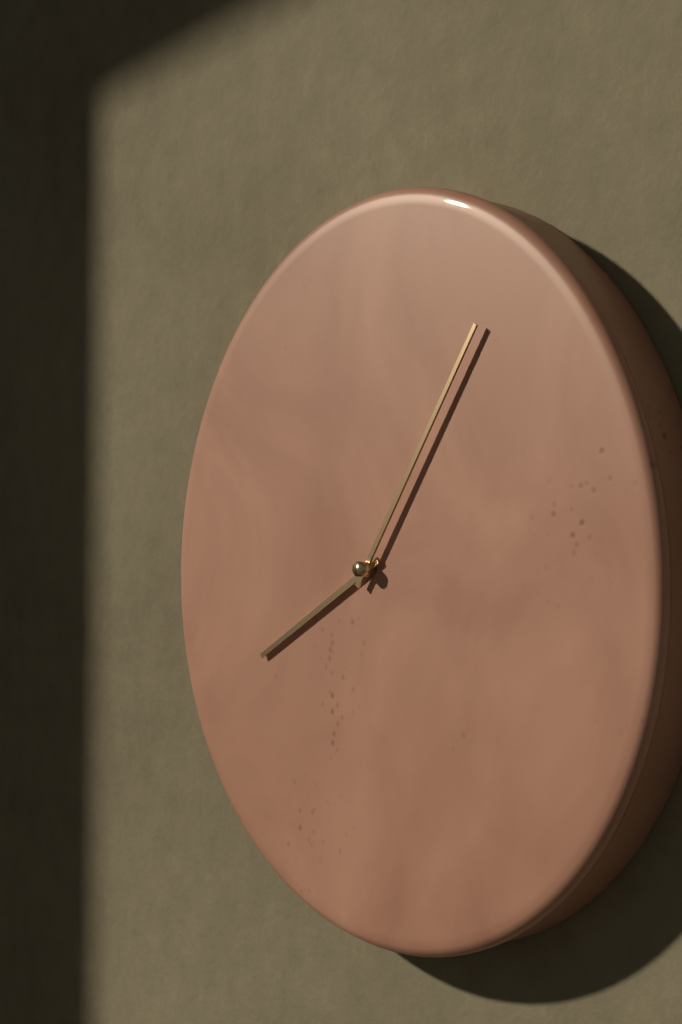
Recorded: h=8 m=6
